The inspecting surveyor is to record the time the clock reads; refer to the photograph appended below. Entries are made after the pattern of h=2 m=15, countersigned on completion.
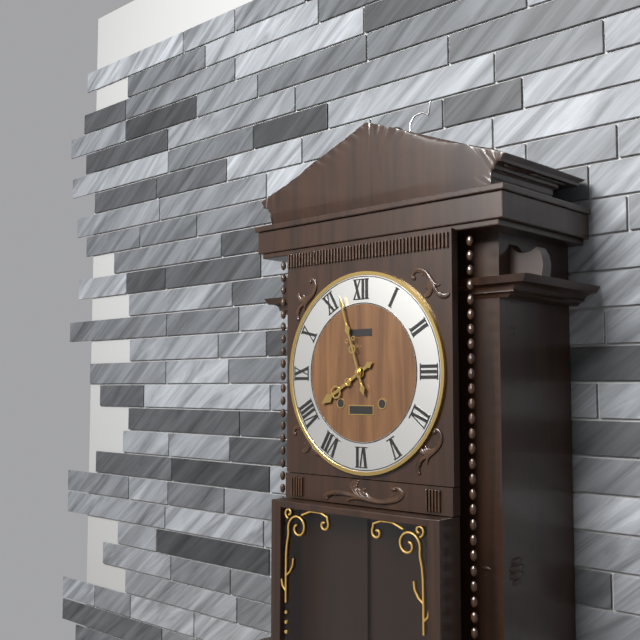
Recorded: h=7 m=57
